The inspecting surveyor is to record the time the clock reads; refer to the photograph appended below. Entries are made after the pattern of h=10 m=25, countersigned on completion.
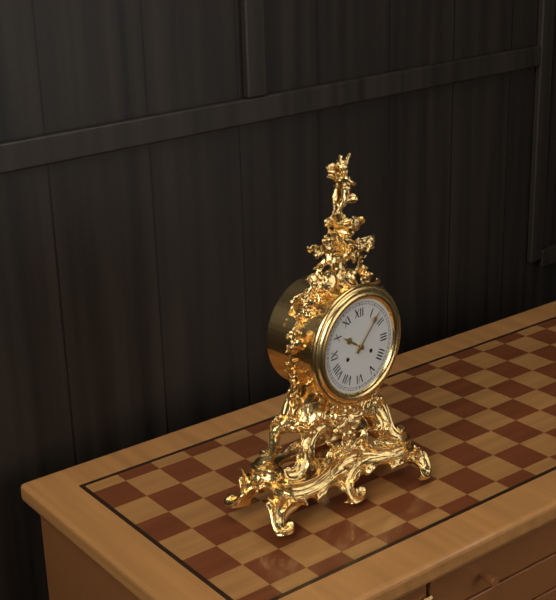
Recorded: h=10 m=7
